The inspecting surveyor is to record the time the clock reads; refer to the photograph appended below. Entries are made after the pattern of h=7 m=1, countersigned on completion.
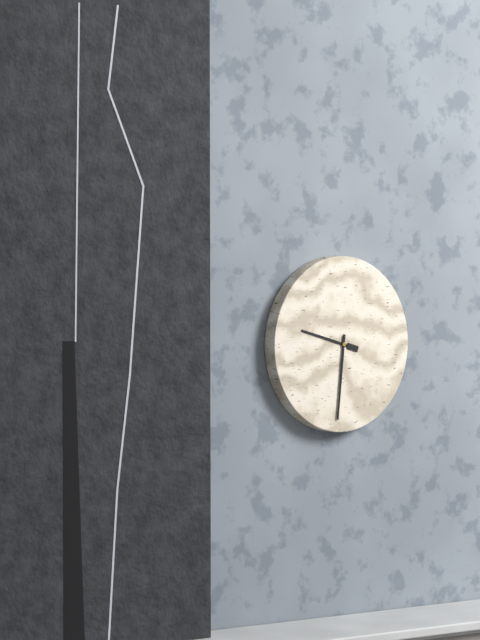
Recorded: h=9 m=31
